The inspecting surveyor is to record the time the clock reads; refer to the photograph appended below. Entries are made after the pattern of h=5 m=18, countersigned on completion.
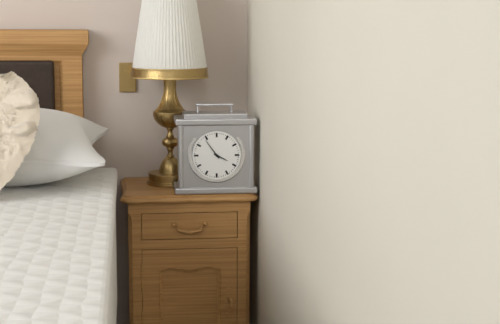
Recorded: h=3 m=54
